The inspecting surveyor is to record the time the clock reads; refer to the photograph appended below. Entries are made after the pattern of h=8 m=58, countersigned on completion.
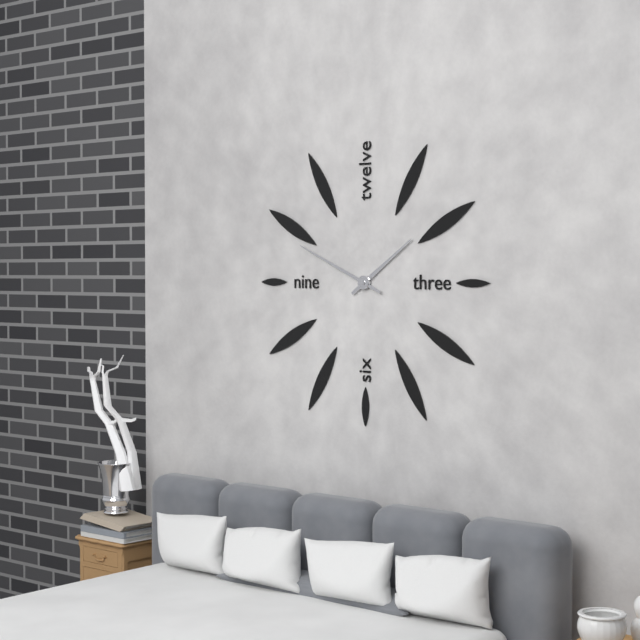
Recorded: h=1 m=49
